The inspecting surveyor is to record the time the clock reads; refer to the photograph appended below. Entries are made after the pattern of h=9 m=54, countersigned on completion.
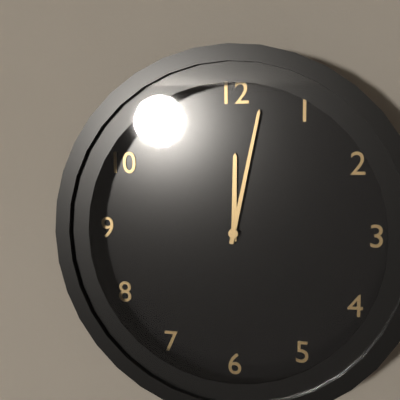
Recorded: h=12 m=2
